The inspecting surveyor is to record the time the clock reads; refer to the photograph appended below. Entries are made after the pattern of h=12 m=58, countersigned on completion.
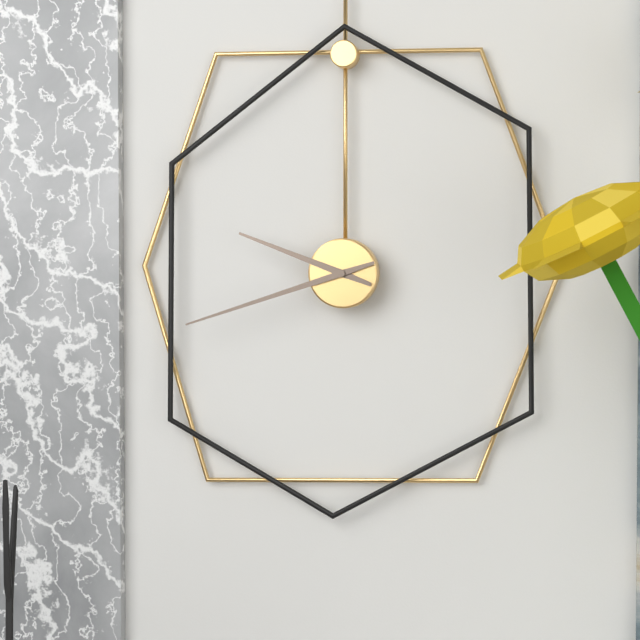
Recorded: h=9 m=42
